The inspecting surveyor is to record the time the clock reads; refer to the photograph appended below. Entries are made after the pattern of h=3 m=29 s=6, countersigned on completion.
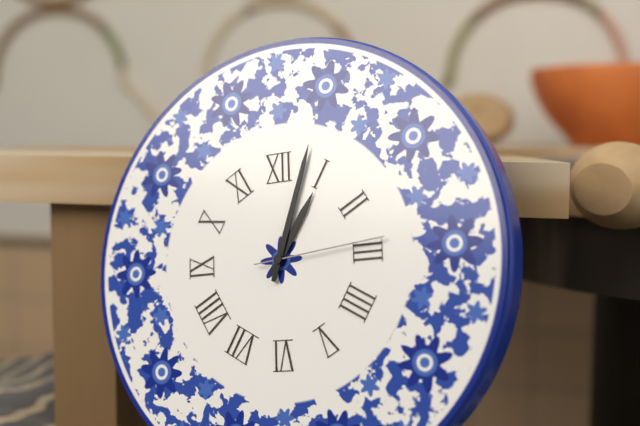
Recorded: h=1 m=3 s=14
